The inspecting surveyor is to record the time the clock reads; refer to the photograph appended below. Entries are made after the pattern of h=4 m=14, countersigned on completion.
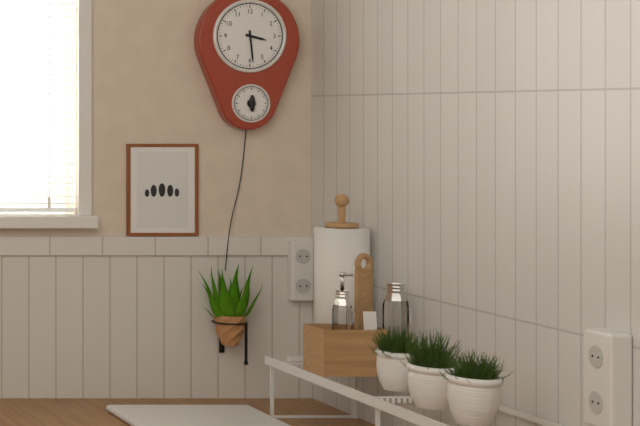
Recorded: h=3 m=29
